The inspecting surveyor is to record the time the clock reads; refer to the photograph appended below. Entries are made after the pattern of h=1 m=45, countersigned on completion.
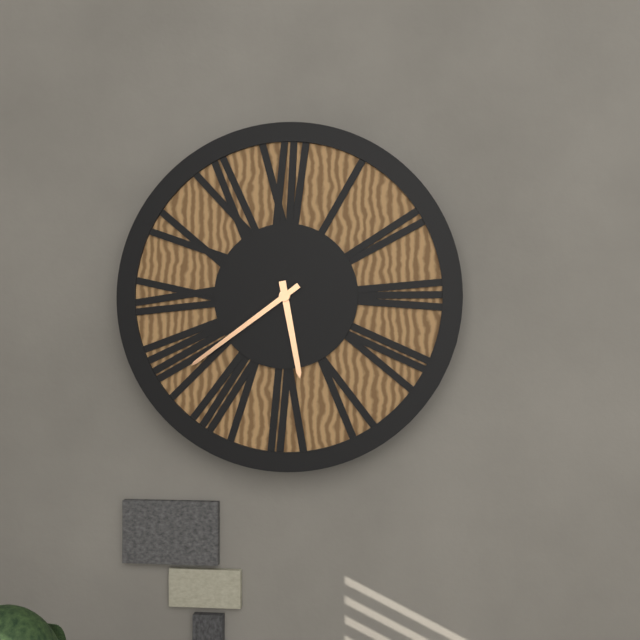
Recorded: h=5 m=39
